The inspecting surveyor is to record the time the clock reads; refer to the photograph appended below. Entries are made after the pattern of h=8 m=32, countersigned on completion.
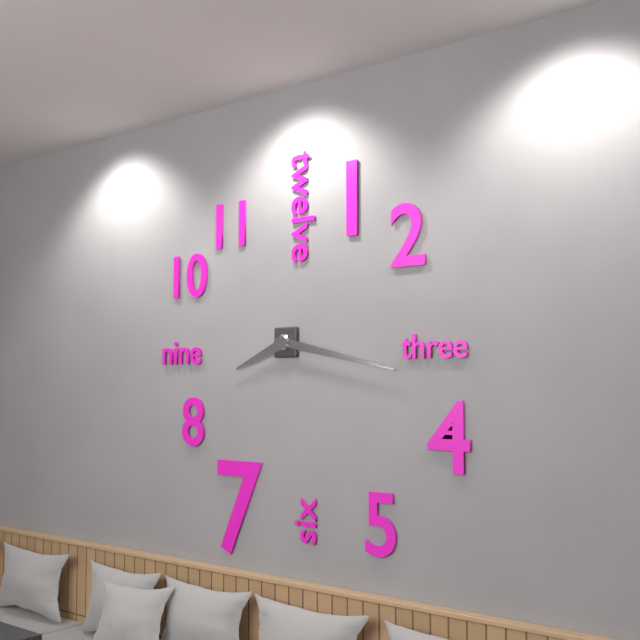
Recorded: h=8 m=17
